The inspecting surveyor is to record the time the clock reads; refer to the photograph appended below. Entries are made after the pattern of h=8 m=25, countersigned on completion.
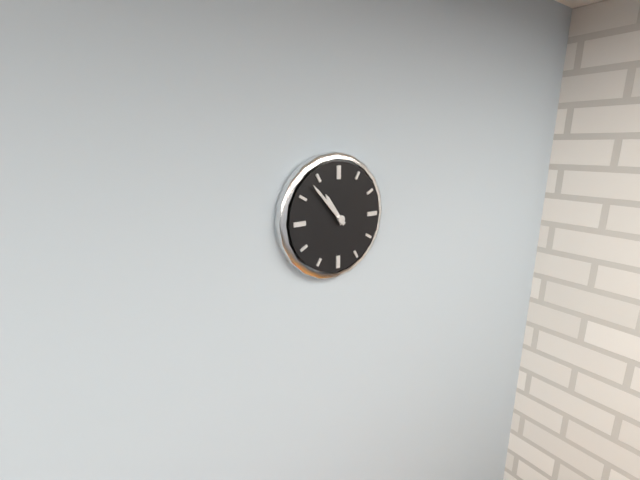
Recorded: h=10 m=53
